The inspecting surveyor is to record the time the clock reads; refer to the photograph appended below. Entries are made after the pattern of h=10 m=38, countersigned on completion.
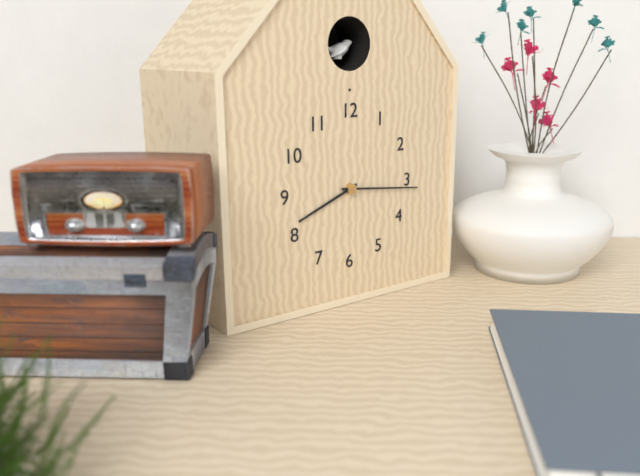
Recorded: h=8 m=16
